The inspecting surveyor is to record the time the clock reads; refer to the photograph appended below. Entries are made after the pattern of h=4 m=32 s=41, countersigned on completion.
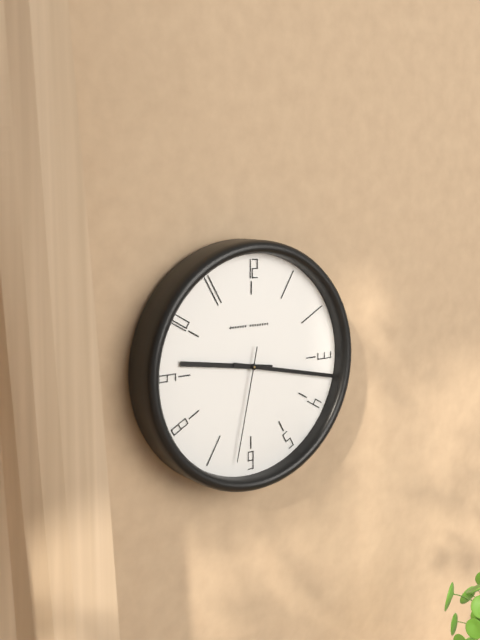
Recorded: h=9 m=17 s=32
